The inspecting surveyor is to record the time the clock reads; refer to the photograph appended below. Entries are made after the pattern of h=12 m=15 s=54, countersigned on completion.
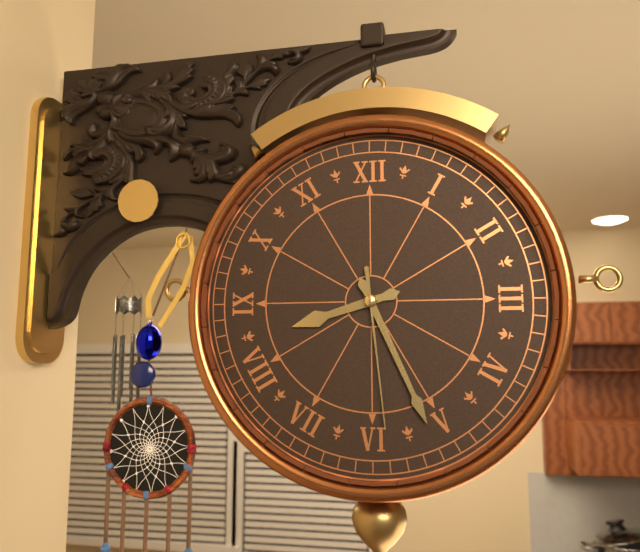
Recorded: h=8 m=26 s=29
